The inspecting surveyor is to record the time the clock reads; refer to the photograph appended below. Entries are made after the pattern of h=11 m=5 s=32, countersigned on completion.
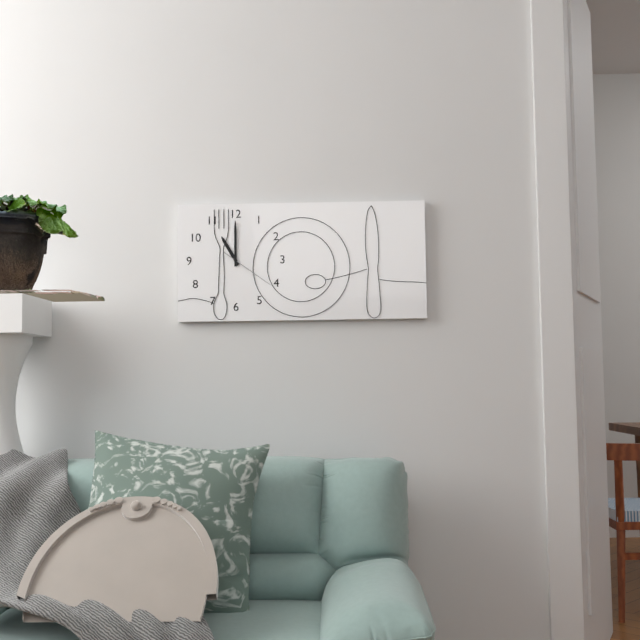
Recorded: h=11 m=0 s=21
